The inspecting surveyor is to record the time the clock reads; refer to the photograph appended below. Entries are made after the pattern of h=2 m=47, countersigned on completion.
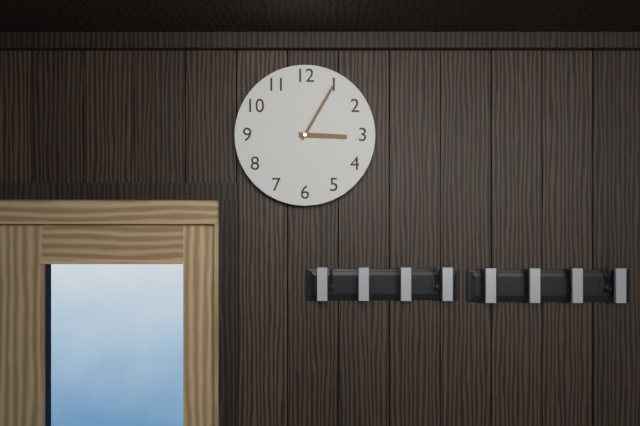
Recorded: h=3 m=5
